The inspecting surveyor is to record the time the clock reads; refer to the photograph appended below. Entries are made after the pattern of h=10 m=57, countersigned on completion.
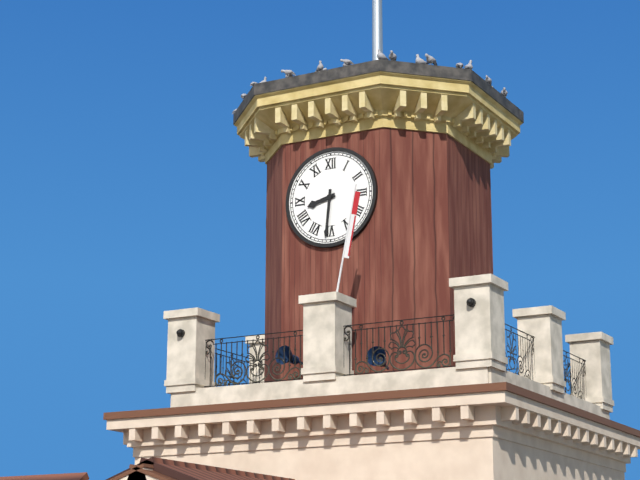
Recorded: h=8 m=31
